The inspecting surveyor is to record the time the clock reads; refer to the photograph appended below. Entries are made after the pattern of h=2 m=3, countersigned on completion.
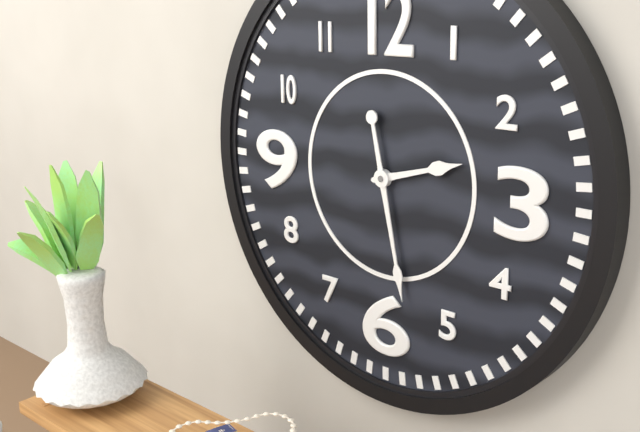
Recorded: h=2 m=28
